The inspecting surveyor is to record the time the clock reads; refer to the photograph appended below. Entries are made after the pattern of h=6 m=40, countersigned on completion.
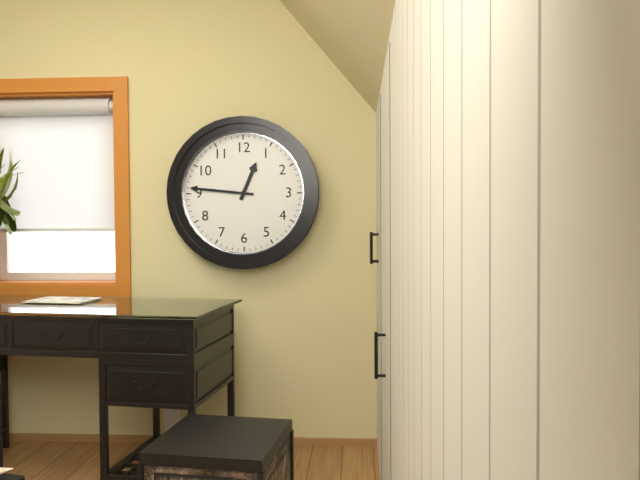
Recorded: h=12 m=46
